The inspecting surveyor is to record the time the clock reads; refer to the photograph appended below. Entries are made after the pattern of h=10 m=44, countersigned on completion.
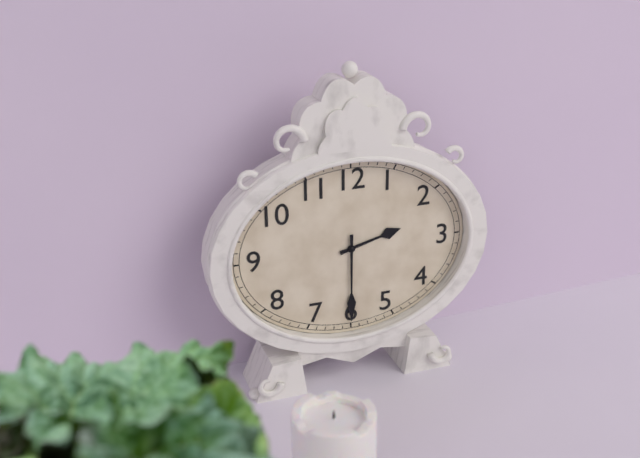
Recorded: h=2 m=30
